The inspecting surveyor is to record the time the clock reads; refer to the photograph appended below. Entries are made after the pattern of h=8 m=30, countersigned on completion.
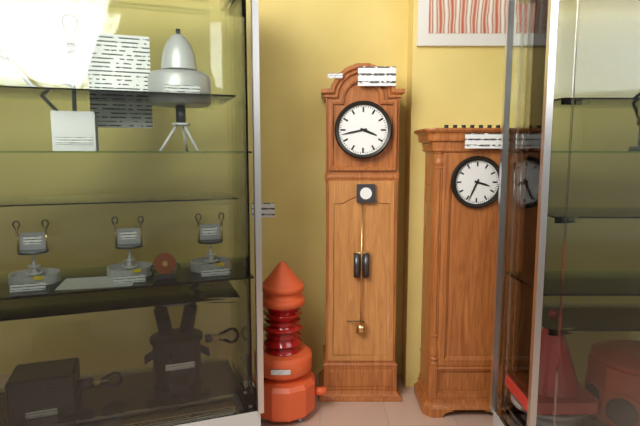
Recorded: h=3 m=43
